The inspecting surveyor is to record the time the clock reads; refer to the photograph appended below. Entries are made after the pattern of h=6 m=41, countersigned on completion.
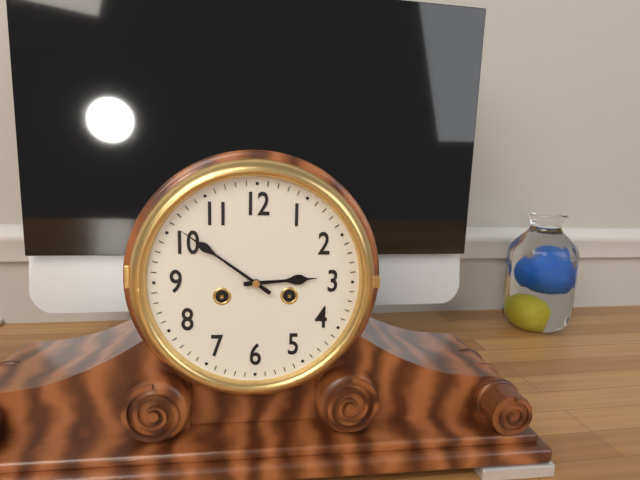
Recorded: h=2 m=51
